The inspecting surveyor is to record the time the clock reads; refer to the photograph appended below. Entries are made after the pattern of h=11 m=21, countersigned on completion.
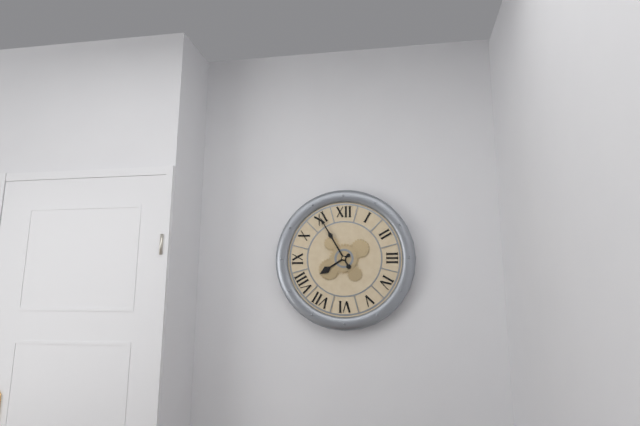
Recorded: h=7 m=55
